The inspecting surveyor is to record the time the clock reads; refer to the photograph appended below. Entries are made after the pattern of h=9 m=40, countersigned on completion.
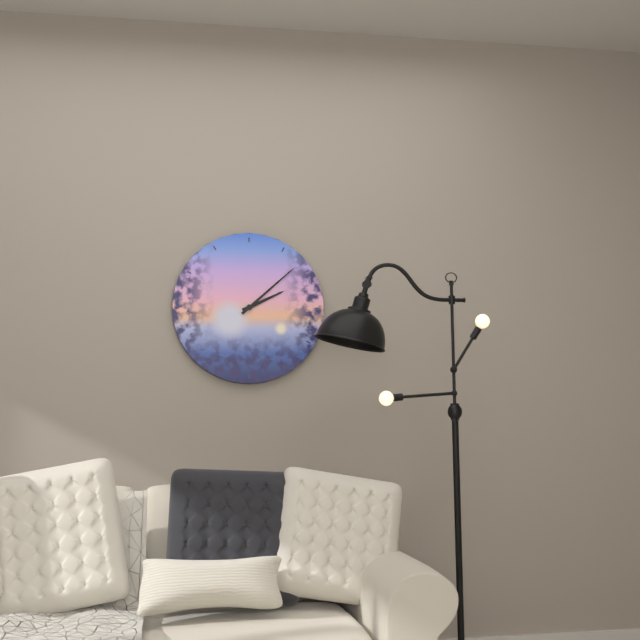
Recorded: h=2 m=8
